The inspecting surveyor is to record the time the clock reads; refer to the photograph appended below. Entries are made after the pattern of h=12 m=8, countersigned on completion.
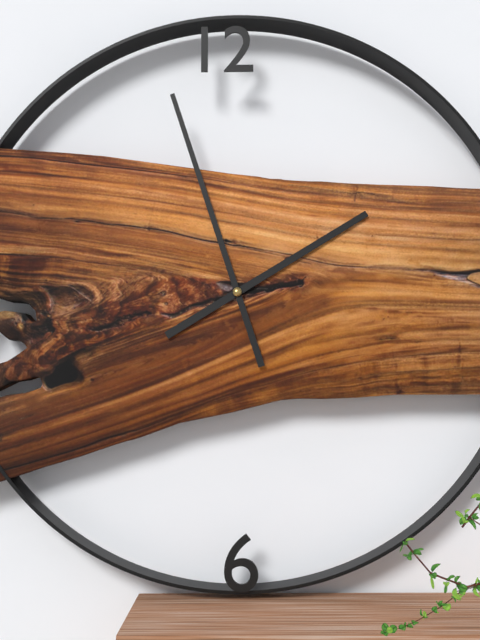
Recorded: h=1 m=57
